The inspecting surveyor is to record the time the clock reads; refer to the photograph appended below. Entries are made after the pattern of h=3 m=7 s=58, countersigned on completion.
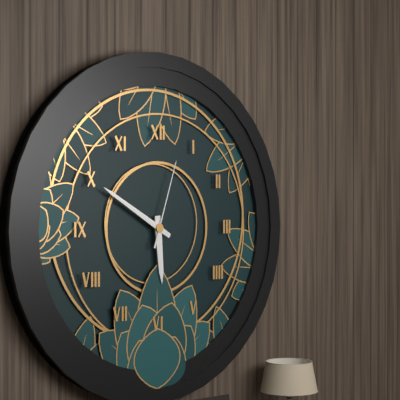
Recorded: h=5 m=50 s=3
